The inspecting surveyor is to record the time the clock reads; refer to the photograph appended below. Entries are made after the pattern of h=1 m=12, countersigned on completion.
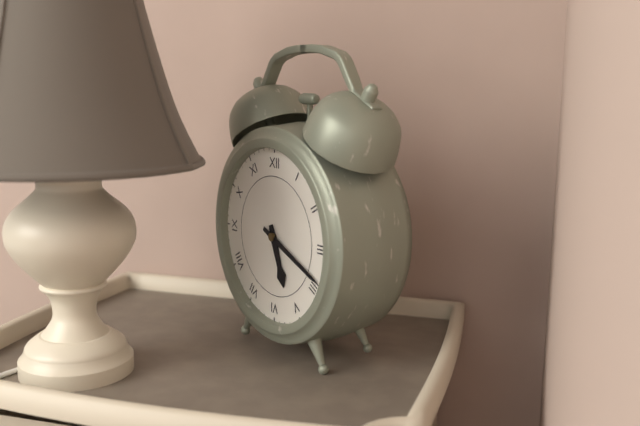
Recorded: h=5 m=19
